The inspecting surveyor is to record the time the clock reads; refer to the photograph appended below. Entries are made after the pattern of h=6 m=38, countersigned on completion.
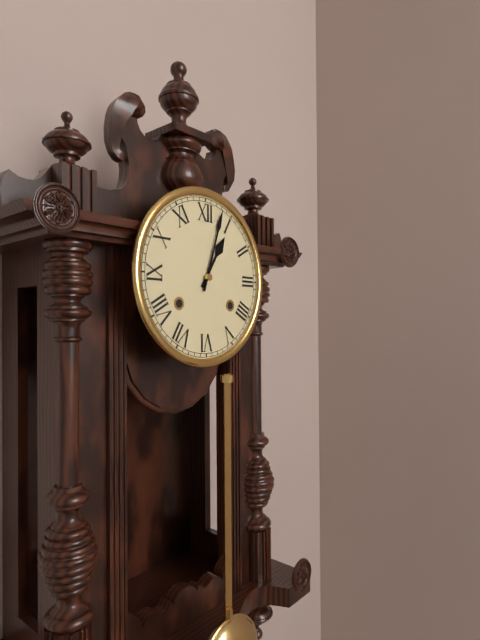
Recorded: h=1 m=3
